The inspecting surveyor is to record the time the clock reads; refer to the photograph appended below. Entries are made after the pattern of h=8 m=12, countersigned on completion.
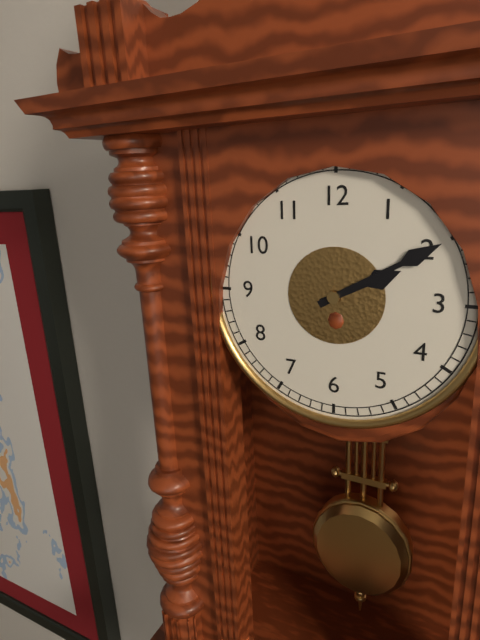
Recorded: h=2 m=10
